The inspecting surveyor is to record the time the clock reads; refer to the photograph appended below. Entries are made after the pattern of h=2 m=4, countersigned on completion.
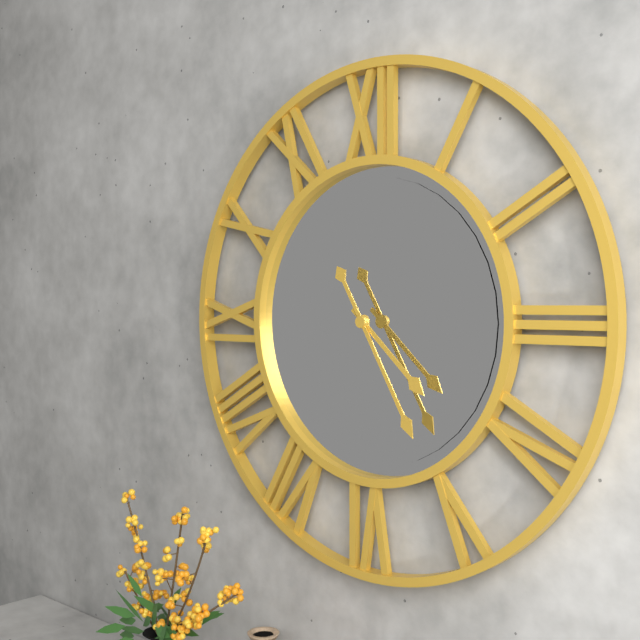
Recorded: h=4 m=25
